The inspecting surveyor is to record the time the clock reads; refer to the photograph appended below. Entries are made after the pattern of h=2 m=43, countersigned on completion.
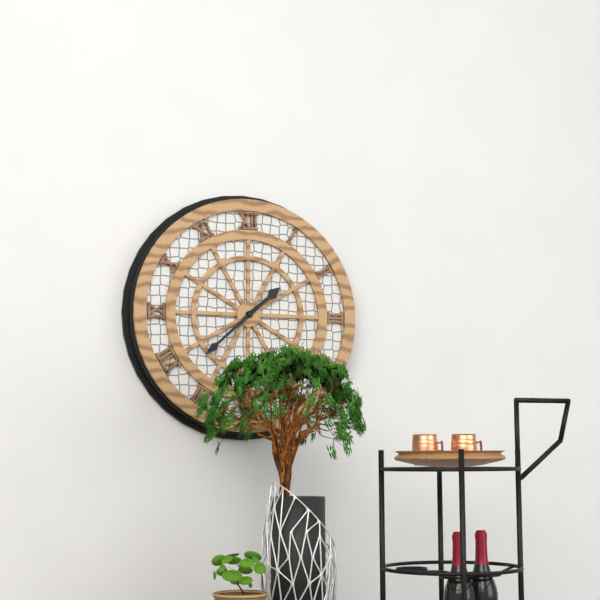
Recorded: h=1 m=38
